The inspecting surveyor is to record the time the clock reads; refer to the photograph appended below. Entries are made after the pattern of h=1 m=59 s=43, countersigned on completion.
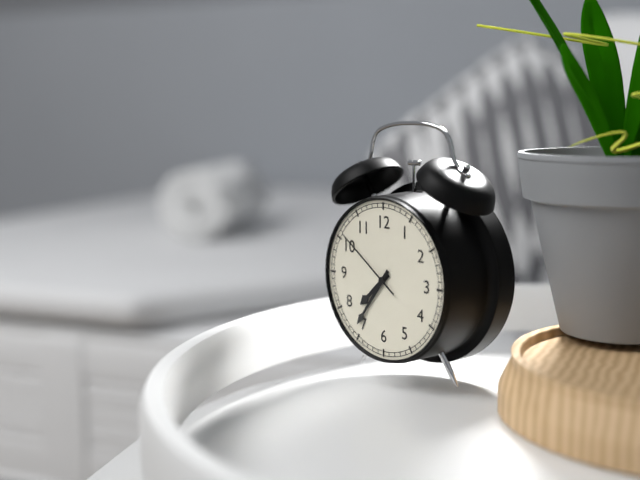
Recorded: h=7 m=36 s=51
